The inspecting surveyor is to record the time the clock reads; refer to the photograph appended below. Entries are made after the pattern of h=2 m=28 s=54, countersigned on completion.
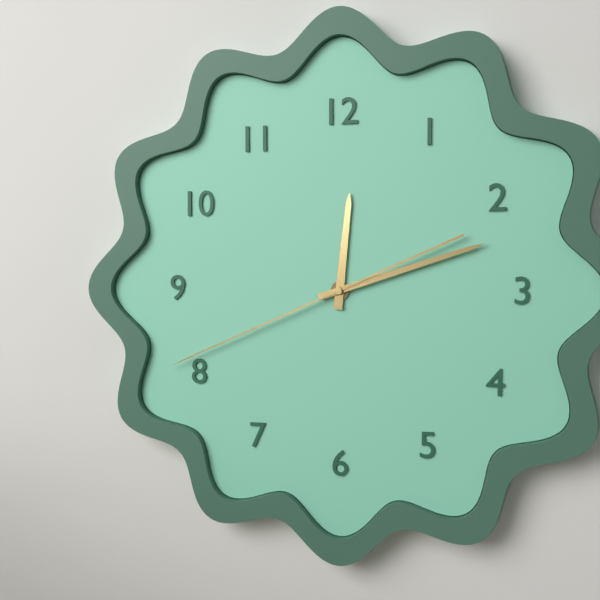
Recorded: h=12 m=12 s=41
